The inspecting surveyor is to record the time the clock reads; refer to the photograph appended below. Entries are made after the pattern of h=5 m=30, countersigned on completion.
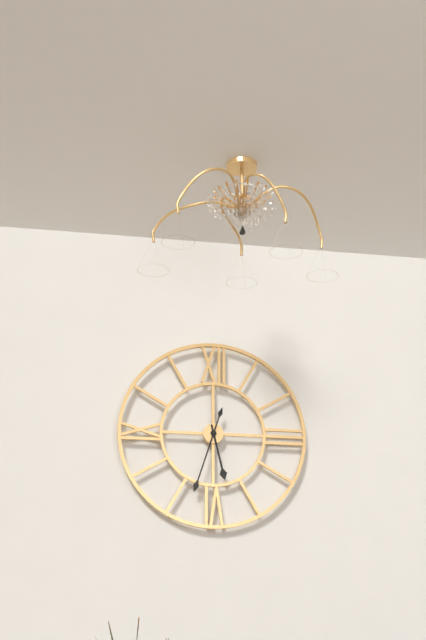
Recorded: h=5 m=33
